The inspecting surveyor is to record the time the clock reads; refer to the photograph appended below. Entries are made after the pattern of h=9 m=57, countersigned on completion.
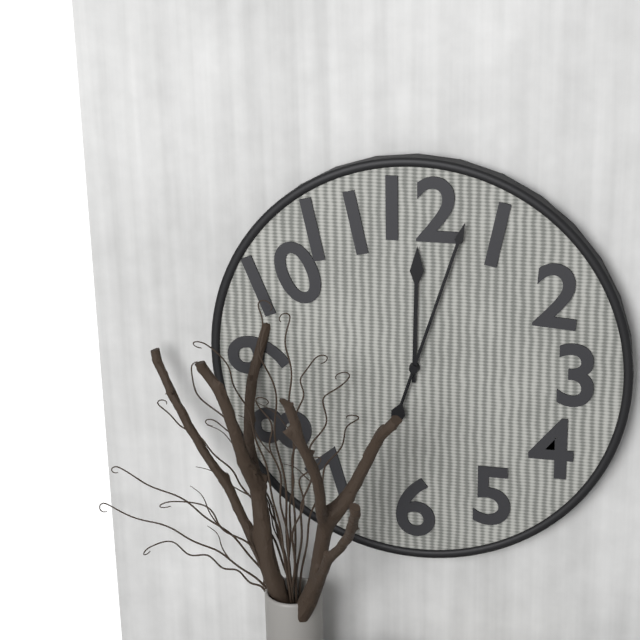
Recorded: h=12 m=3
